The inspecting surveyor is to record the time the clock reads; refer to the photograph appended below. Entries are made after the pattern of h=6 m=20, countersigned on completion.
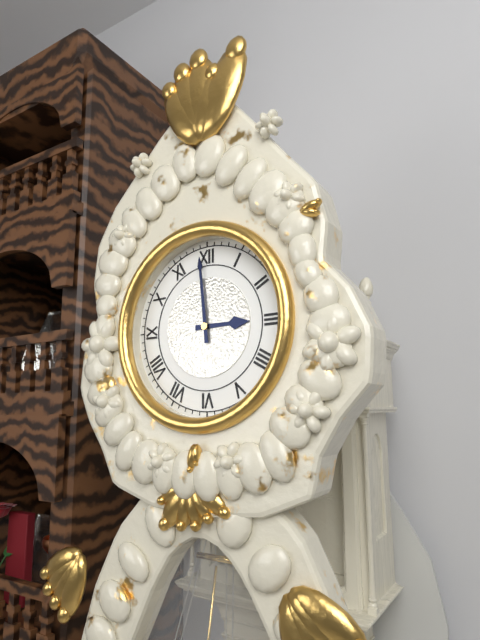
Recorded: h=2 m=59
